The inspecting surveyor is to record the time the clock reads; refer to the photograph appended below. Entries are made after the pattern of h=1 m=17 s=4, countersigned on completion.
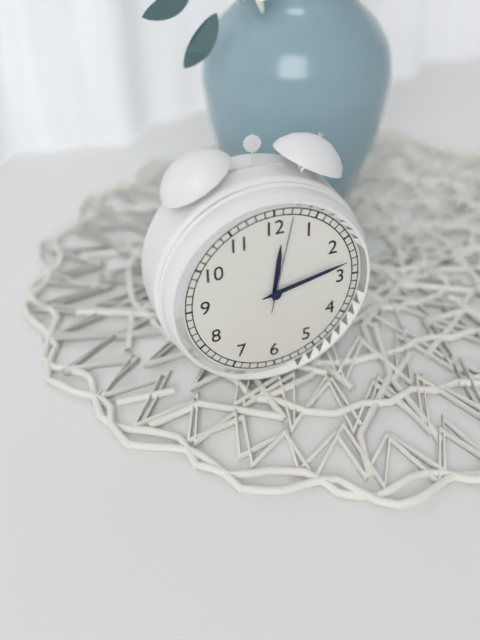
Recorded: h=12 m=13 s=2
